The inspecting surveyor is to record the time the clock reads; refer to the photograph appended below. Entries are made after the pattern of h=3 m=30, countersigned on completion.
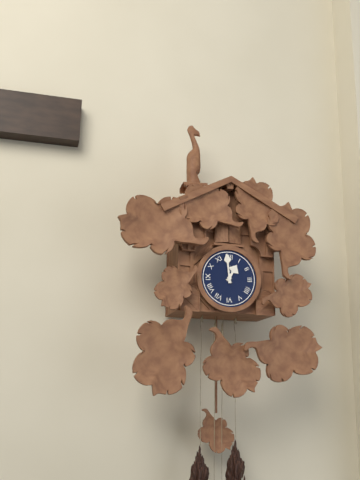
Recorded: h=12 m=59
